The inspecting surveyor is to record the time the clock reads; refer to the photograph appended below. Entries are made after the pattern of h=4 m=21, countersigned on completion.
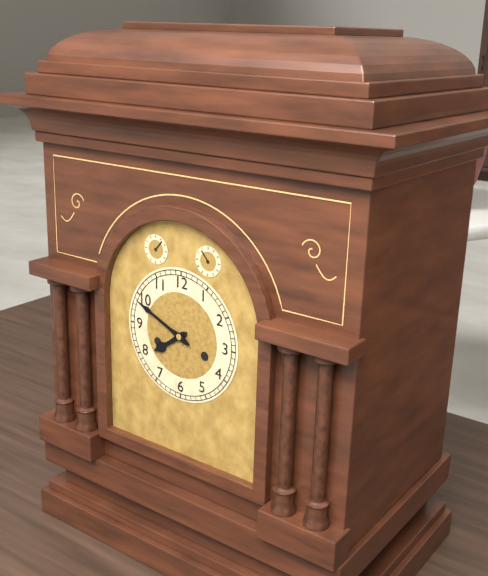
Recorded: h=7 m=49
